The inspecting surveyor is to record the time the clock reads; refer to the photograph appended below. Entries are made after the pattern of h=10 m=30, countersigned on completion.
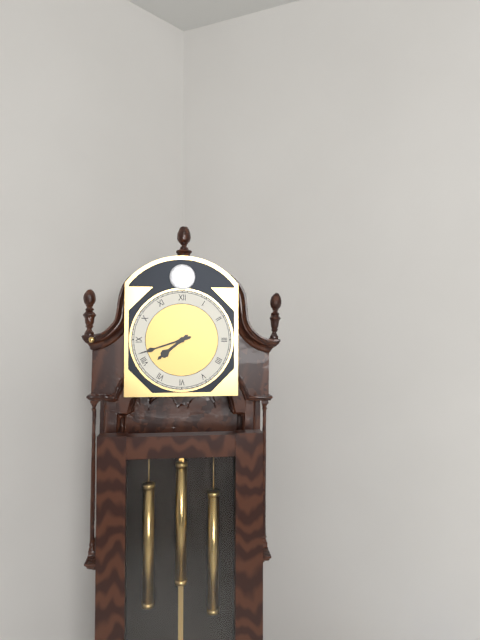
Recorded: h=7 m=42
